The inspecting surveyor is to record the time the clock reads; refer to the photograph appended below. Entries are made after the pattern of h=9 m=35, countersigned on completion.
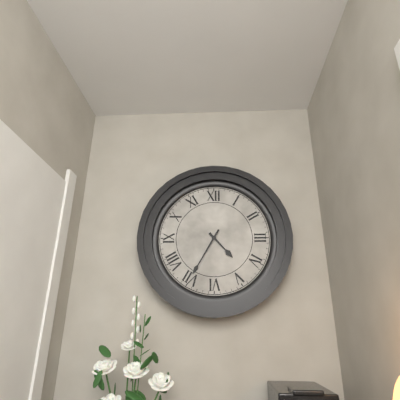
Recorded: h=4 m=35
